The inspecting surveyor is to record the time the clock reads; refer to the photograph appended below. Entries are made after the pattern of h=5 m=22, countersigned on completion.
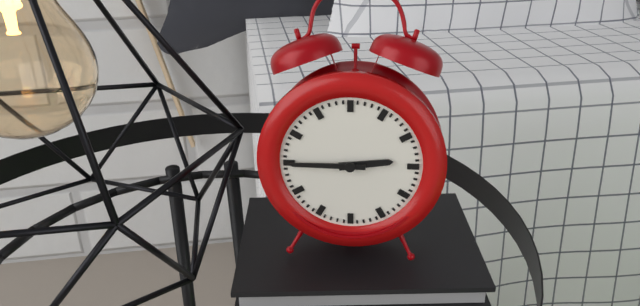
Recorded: h=2 m=45
